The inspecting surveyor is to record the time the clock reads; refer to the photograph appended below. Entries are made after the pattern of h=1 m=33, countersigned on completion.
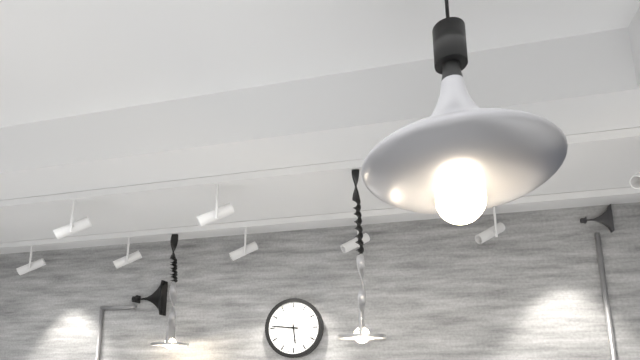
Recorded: h=5 m=46
